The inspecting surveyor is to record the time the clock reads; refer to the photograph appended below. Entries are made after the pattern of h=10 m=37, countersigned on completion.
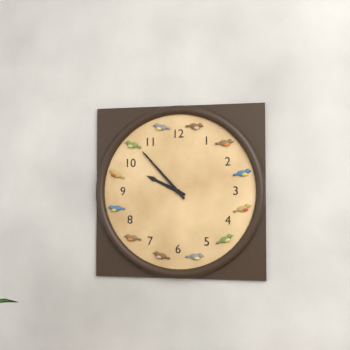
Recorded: h=9 m=53
